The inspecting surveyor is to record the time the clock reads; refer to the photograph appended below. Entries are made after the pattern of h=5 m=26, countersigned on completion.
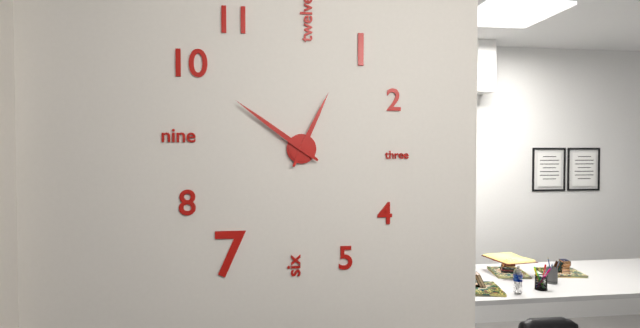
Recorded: h=12 m=51
